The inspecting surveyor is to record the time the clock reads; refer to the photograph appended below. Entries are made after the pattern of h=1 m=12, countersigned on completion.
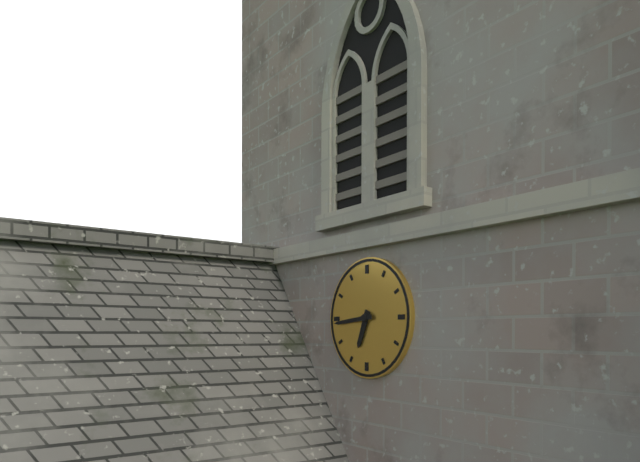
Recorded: h=6 m=44
